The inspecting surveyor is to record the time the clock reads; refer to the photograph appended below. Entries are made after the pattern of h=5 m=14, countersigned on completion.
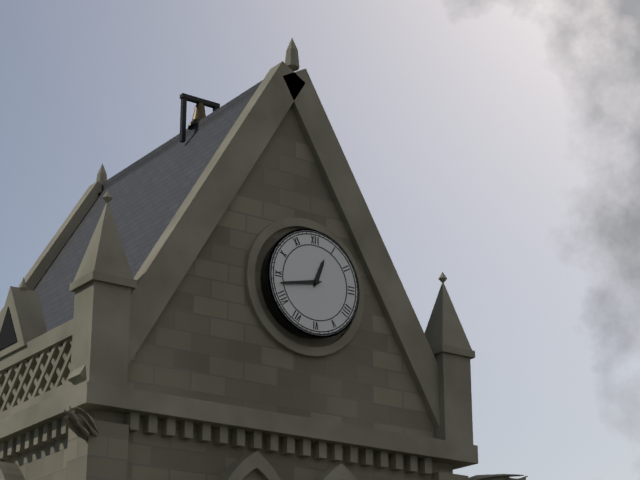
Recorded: h=12 m=43
